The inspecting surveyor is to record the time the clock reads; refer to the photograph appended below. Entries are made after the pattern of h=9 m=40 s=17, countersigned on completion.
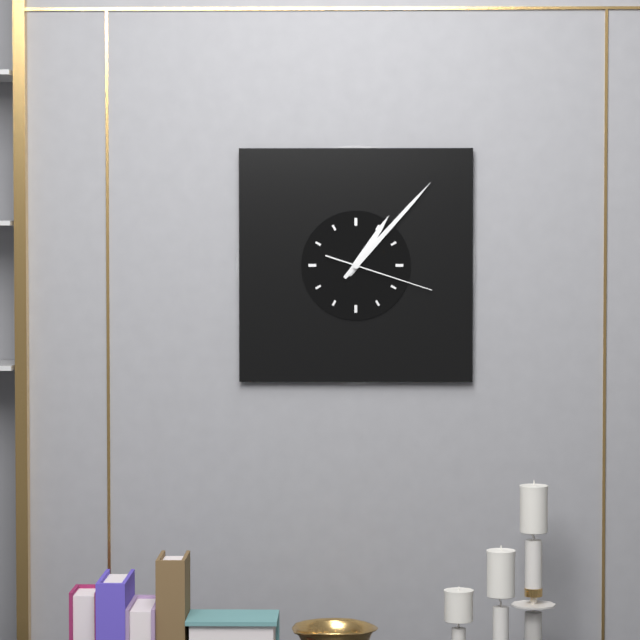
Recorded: h=1 m=7 s=18
